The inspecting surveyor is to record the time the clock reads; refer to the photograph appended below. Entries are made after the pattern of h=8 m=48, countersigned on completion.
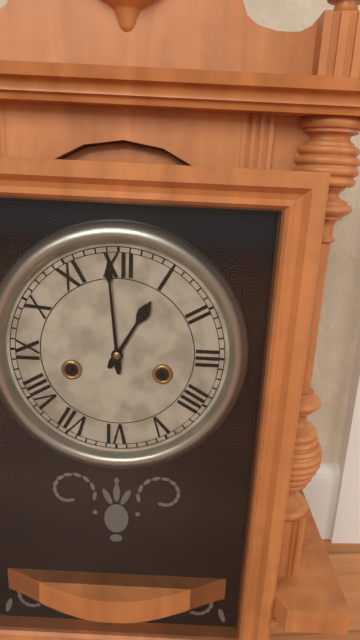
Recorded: h=12 m=59
